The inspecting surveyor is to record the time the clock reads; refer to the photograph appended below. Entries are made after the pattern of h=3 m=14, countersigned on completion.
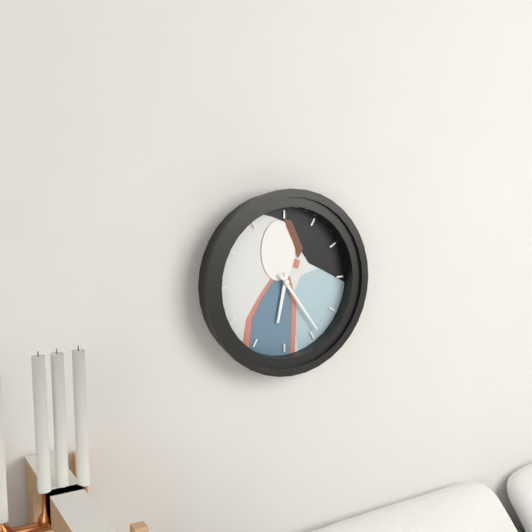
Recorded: h=6 m=24
